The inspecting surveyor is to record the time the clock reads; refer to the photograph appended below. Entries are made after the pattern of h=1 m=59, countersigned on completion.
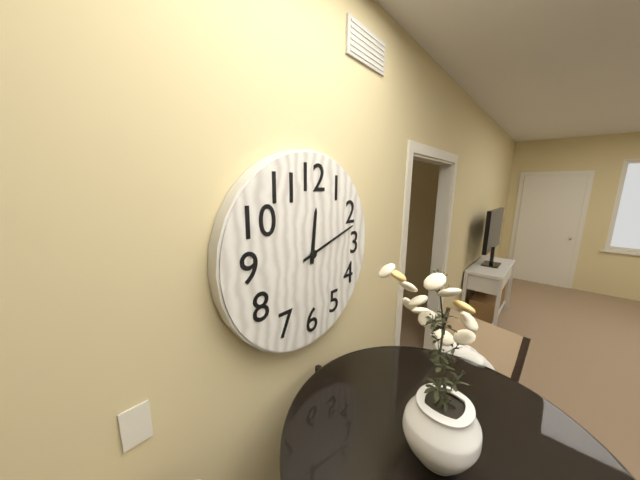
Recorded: h=12 m=12
